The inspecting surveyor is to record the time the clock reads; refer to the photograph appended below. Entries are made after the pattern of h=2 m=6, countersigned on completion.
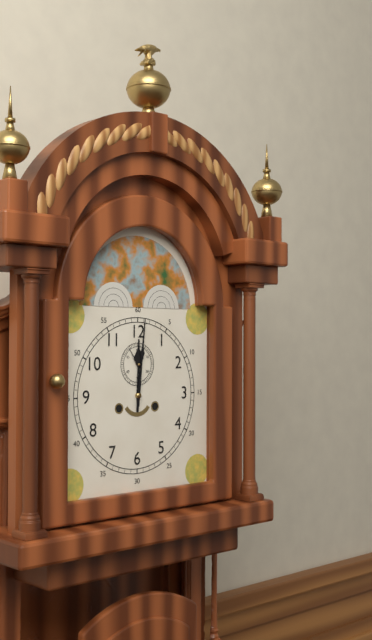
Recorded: h=12 m=1
